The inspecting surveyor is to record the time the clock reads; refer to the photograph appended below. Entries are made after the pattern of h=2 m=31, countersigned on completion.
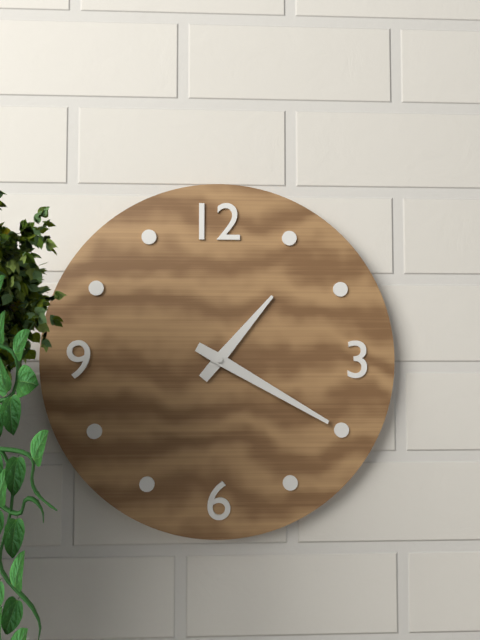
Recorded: h=1 m=20
